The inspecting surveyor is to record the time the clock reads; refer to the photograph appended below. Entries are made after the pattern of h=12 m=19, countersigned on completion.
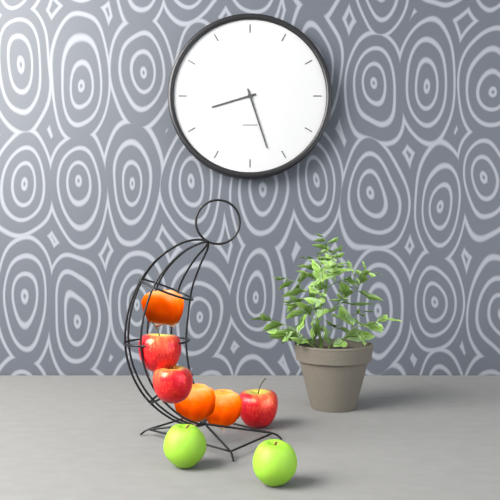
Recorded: h=8 m=27
